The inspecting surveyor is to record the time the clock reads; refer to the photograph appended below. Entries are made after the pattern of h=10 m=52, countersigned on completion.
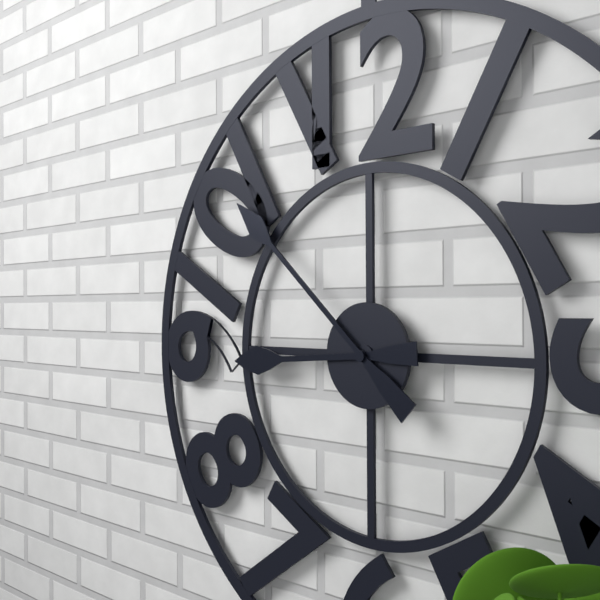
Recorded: h=8 m=52
